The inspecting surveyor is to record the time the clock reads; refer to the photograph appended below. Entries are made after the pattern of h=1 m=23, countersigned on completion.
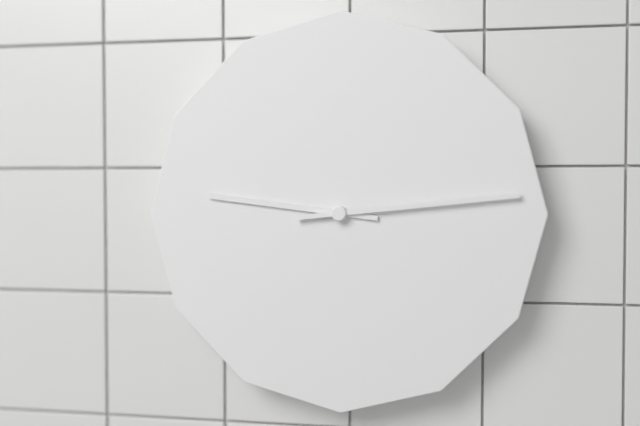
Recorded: h=9 m=14
